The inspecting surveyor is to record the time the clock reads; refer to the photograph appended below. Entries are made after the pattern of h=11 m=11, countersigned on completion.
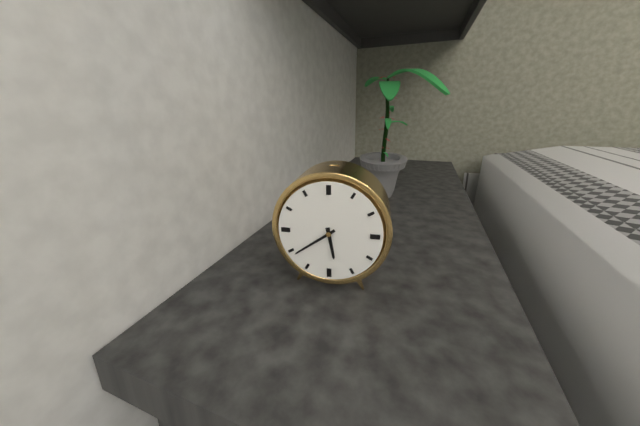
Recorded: h=5 m=39
